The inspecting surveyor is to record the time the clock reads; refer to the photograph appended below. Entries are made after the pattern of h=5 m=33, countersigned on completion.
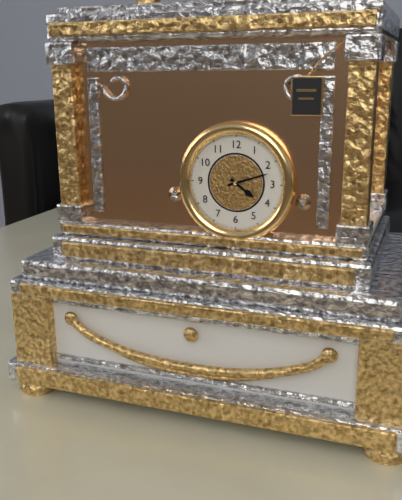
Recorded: h=4 m=12
